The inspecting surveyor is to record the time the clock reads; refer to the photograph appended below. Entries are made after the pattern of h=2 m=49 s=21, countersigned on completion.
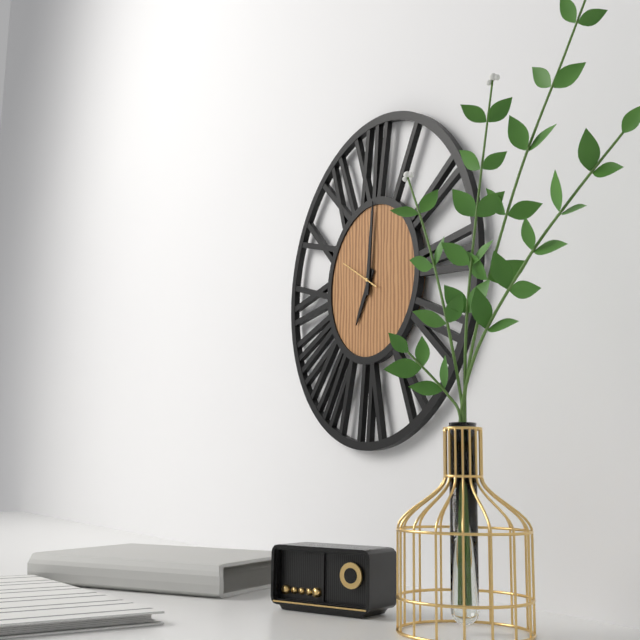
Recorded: h=7 m=1 s=50
